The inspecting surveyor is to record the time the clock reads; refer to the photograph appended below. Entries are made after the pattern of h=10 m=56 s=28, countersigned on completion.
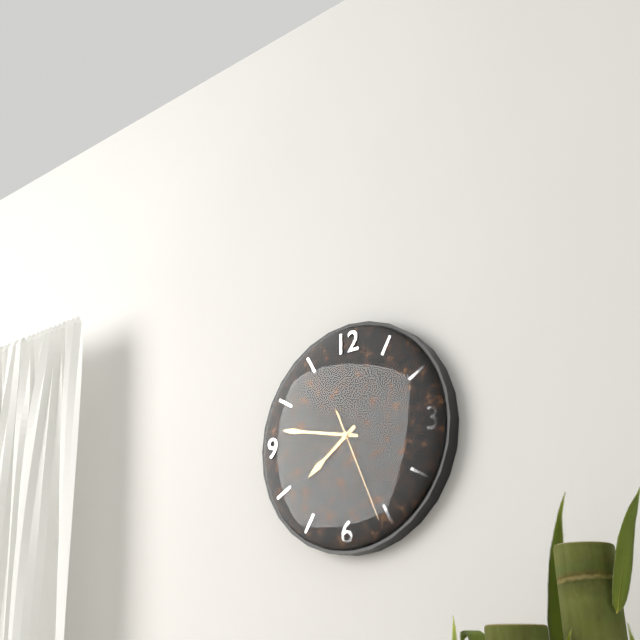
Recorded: h=7 m=47 s=26
